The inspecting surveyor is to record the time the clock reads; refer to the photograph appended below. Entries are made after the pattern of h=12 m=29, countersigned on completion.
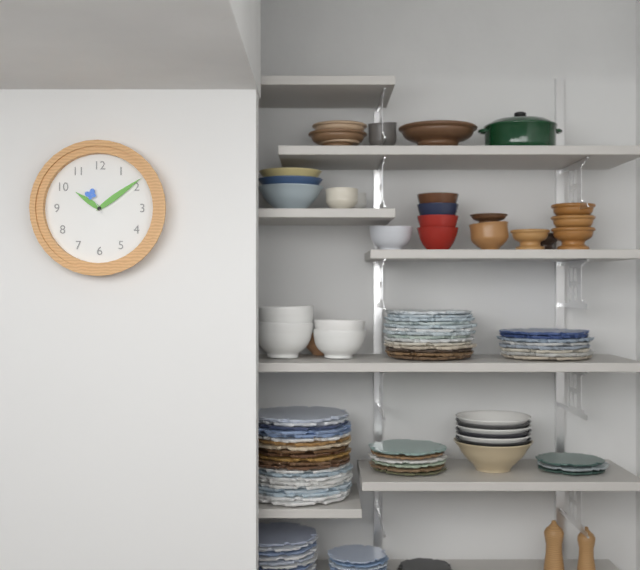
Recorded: h=10 m=9
